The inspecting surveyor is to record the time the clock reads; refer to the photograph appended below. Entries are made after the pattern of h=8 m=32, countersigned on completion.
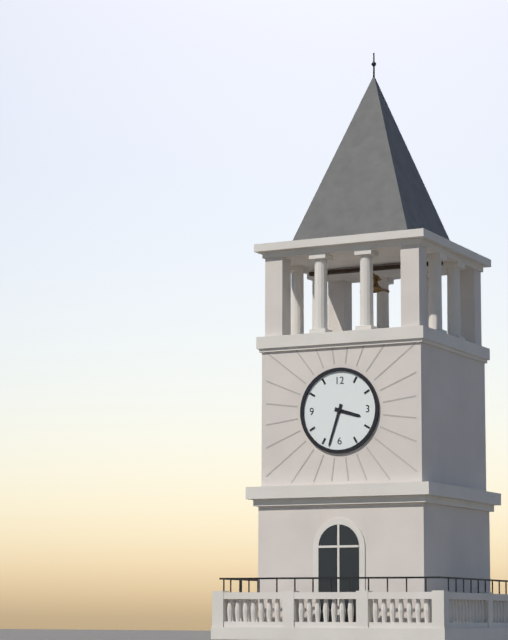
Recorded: h=3 m=33
